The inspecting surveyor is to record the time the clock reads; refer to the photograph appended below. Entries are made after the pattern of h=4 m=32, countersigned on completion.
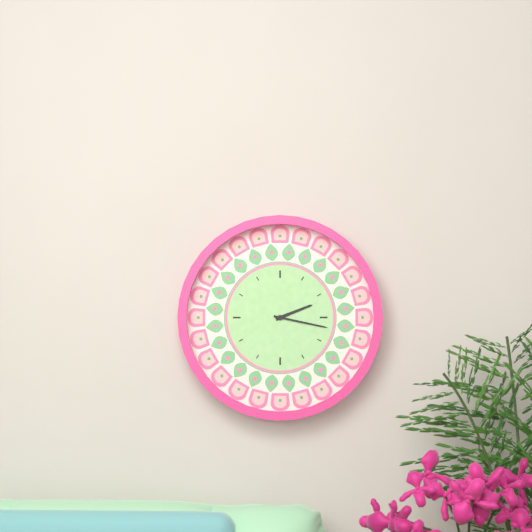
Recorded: h=2 m=17
